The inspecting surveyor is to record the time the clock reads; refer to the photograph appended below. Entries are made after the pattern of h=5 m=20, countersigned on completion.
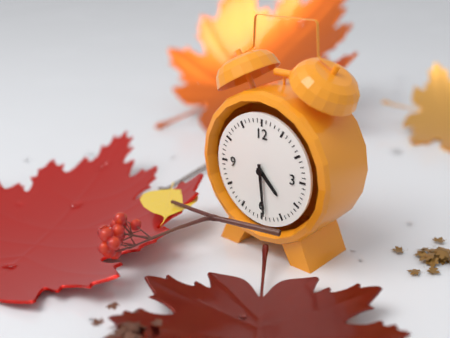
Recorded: h=4 m=29
